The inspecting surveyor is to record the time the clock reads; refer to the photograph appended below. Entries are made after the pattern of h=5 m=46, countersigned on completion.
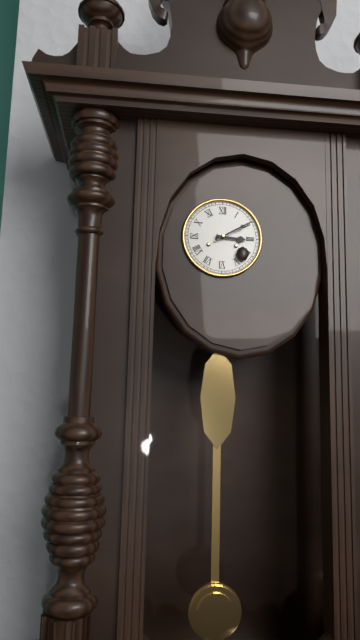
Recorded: h=3 m=10
